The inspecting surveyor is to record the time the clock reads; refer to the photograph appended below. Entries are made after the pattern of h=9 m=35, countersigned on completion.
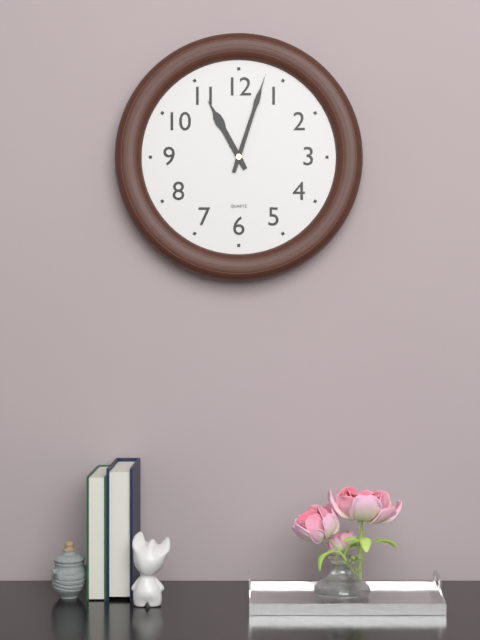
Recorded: h=11 m=3
